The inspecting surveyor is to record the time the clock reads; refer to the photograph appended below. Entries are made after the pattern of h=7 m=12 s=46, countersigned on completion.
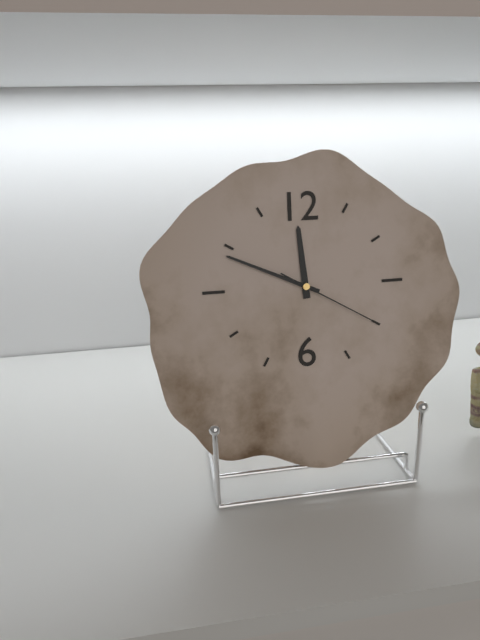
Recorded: h=11 m=49 s=20
